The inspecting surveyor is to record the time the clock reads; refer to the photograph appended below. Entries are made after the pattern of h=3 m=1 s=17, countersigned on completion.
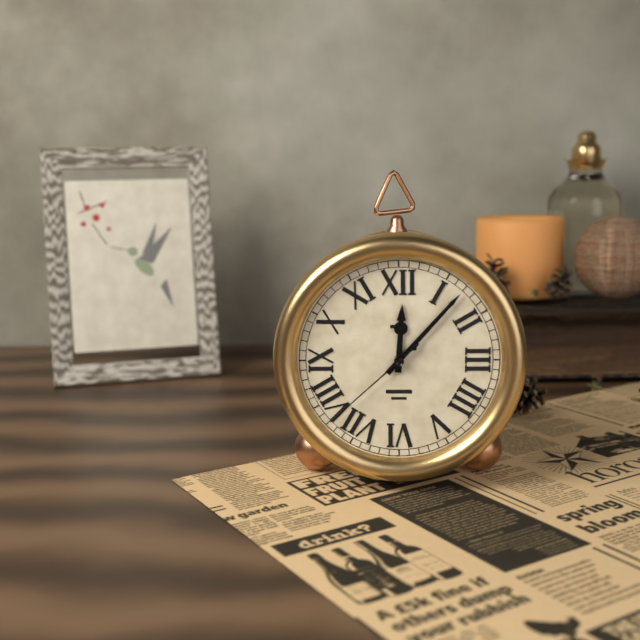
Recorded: h=12 m=7 s=38
